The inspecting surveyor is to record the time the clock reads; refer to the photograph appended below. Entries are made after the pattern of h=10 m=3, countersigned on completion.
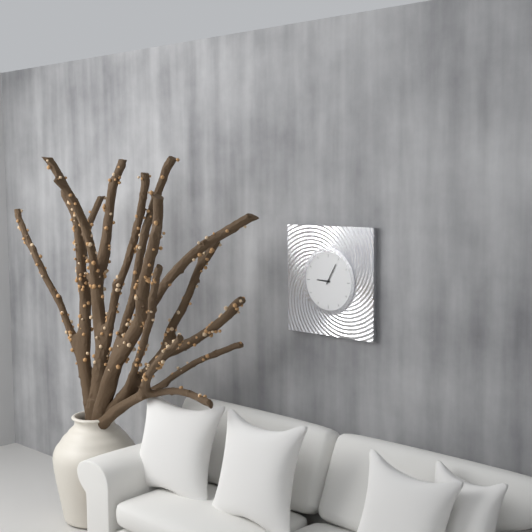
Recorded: h=9 m=5
